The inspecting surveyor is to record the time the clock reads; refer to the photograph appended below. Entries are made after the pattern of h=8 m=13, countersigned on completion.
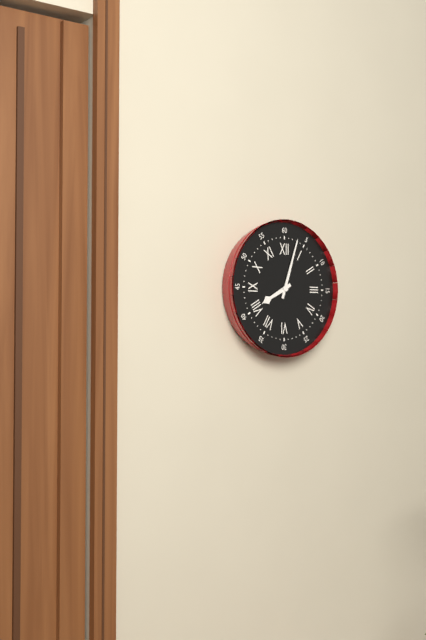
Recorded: h=8 m=3
